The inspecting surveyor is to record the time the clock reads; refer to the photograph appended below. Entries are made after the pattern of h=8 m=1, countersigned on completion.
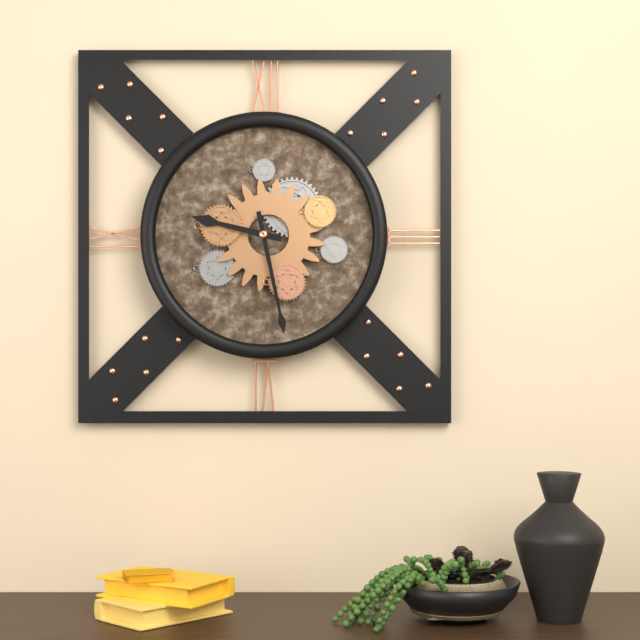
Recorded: h=9 m=28
